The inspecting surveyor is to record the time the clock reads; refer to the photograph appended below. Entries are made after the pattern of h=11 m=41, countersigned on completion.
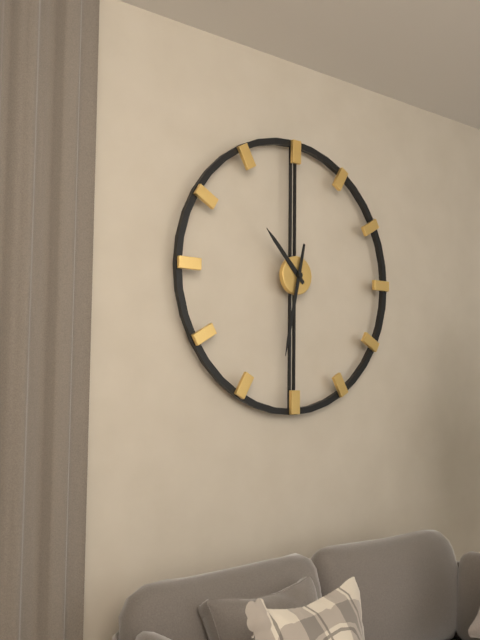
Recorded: h=10 m=32
